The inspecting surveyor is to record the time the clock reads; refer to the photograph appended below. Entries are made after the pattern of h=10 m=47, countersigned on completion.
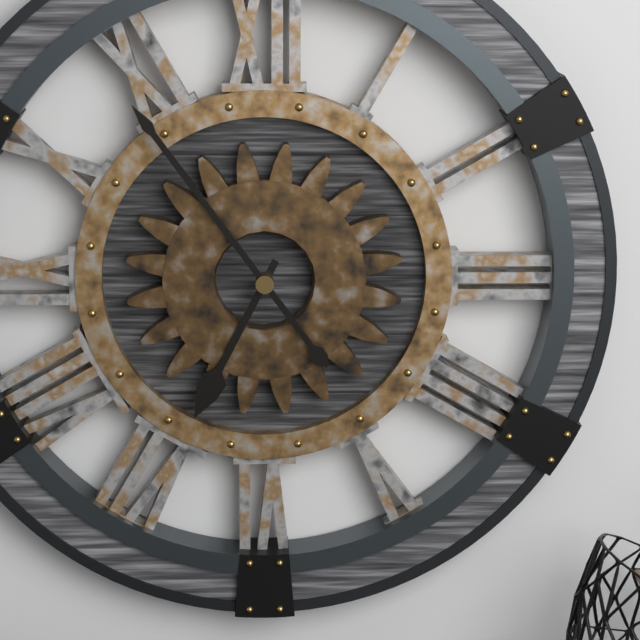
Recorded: h=6 m=54
